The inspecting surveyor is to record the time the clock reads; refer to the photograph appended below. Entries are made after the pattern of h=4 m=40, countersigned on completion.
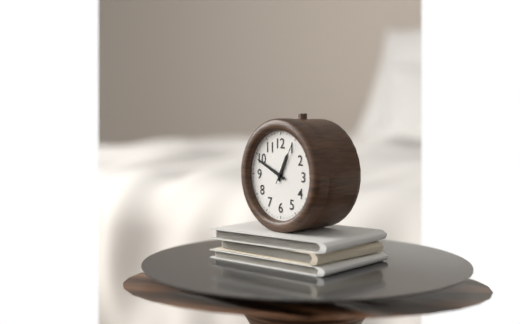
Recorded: h=12 m=49
